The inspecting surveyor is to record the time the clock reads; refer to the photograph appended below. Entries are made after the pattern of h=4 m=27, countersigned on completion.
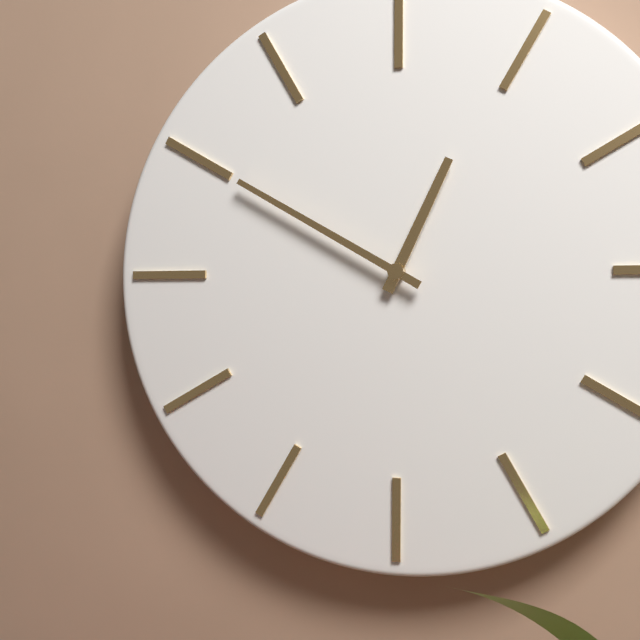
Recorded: h=12 m=50
